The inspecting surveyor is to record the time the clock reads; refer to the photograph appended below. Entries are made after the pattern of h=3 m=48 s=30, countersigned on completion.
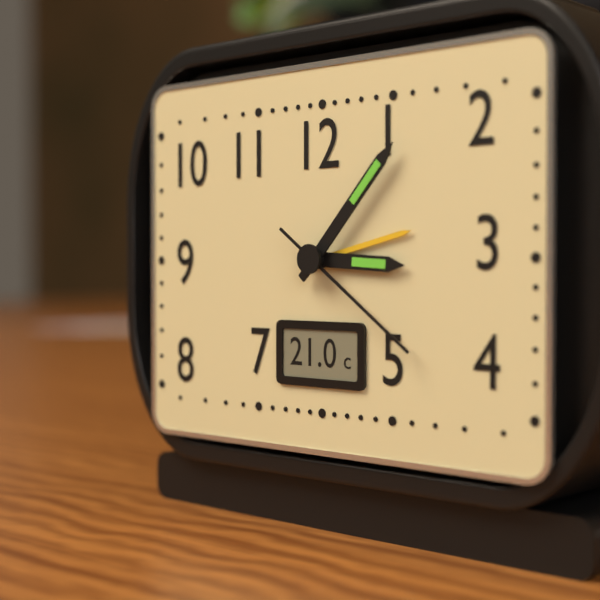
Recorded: h=3 m=7 s=21
